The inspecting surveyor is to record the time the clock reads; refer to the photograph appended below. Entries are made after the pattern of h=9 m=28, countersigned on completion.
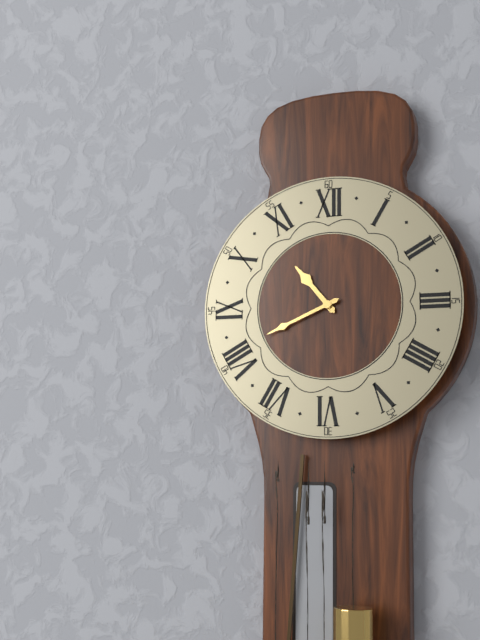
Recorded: h=10 m=41
